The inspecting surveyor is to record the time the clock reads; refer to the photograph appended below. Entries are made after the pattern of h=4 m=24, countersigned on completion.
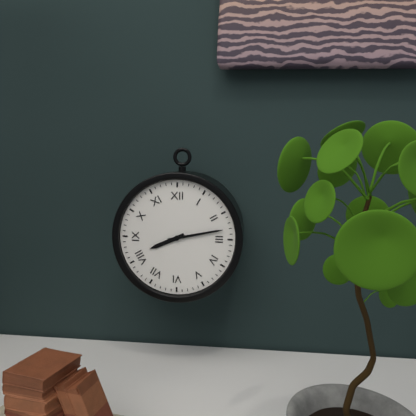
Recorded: h=8 m=13
